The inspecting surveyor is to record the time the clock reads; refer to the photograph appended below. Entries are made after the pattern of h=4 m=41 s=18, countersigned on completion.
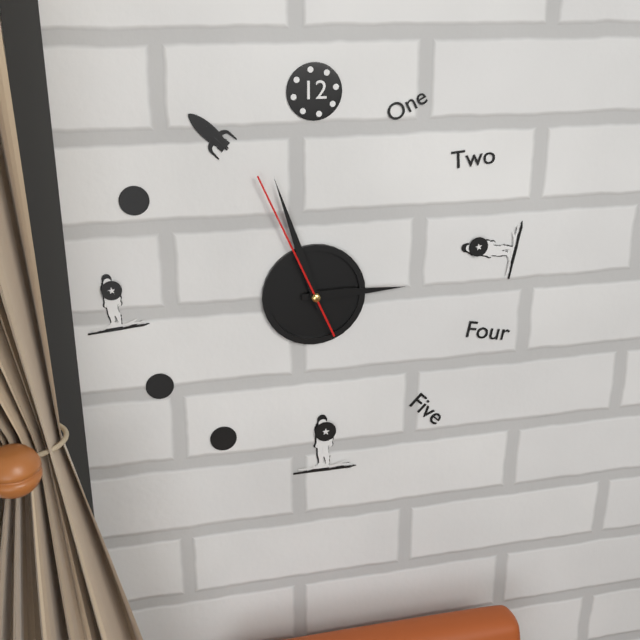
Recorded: h=2 m=57 s=56
